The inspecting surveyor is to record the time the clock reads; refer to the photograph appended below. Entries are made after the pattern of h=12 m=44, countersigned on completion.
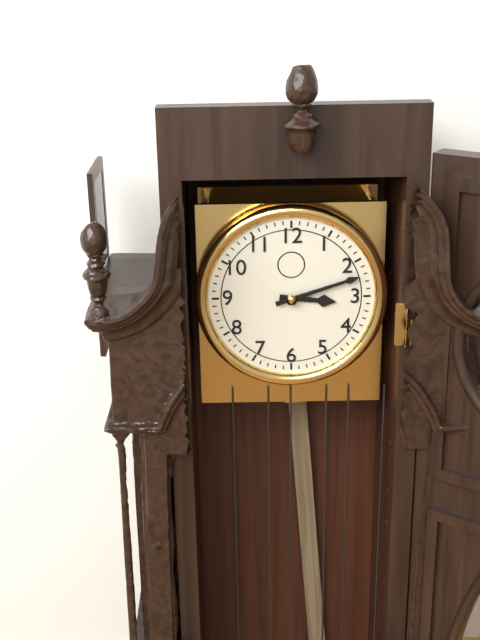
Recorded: h=3 m=12
